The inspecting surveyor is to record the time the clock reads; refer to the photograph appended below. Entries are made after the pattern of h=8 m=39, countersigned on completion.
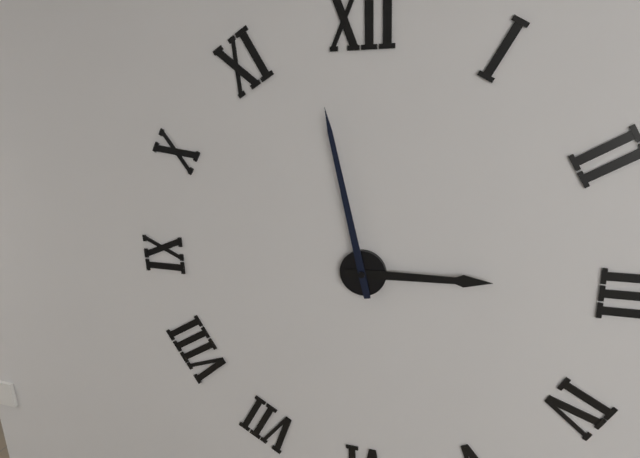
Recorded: h=2 m=58
